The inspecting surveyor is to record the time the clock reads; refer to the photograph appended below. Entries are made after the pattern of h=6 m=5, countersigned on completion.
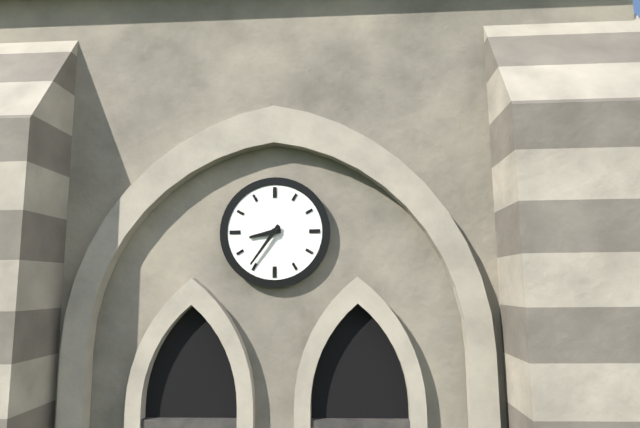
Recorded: h=8 m=36
